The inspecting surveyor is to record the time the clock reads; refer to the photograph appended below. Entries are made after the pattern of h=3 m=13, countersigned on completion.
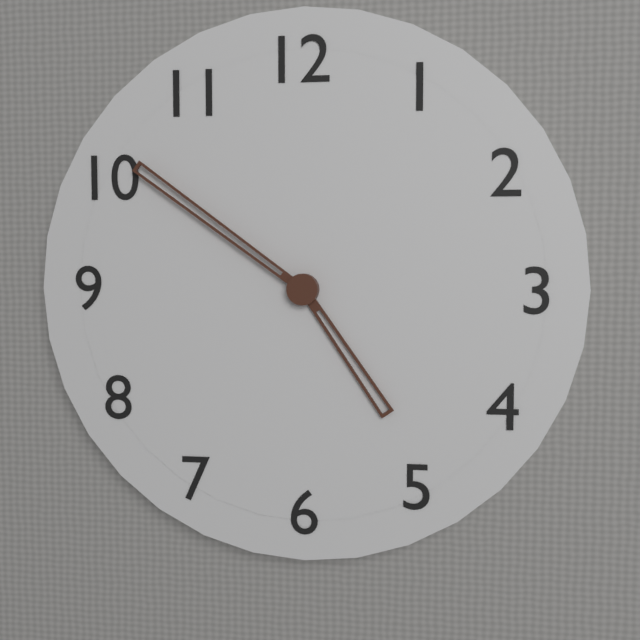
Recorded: h=4 m=51
